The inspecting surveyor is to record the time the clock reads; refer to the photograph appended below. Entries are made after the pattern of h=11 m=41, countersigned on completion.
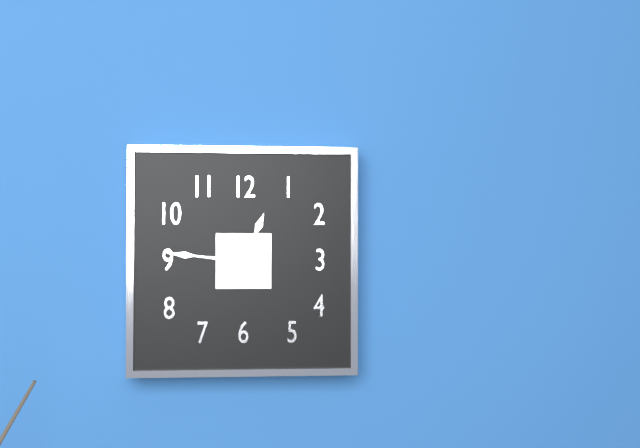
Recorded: h=12 m=46
